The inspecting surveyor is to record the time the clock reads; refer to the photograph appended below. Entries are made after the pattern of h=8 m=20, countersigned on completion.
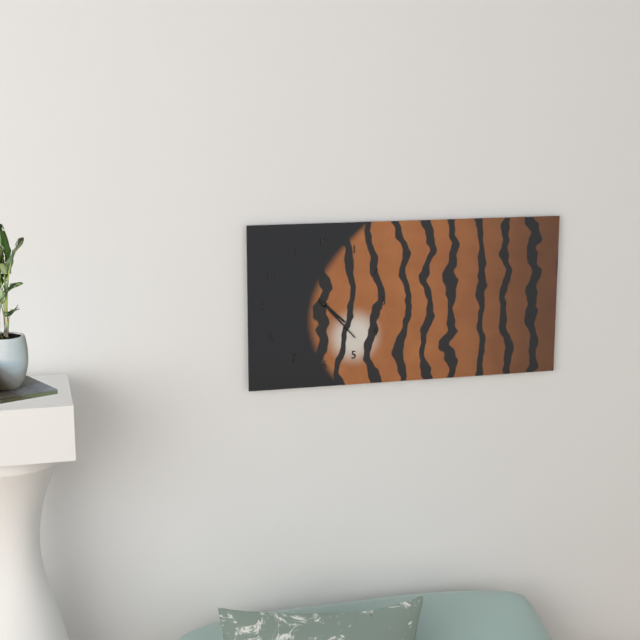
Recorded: h=4 m=23
